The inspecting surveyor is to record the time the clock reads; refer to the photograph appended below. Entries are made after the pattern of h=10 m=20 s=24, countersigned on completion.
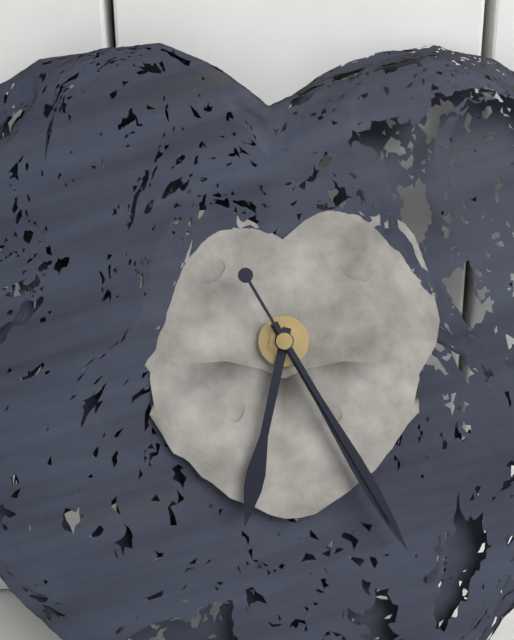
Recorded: h=6 m=25 s=25
